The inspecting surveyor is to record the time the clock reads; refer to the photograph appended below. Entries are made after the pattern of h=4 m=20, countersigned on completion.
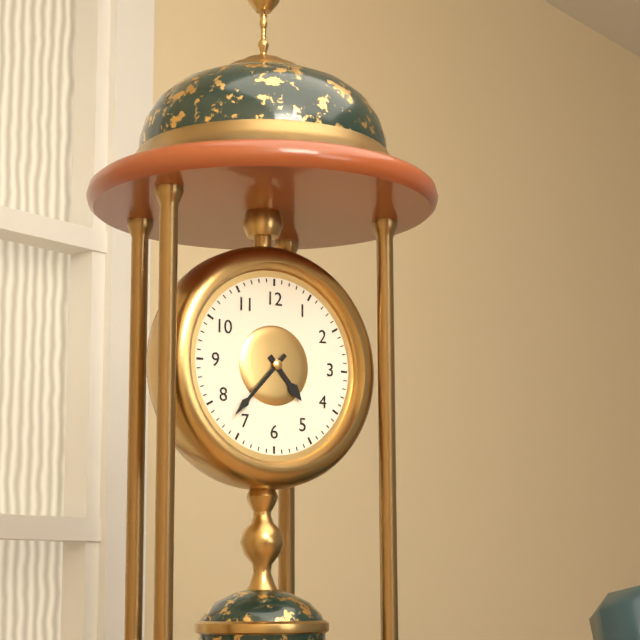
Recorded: h=4 m=37
